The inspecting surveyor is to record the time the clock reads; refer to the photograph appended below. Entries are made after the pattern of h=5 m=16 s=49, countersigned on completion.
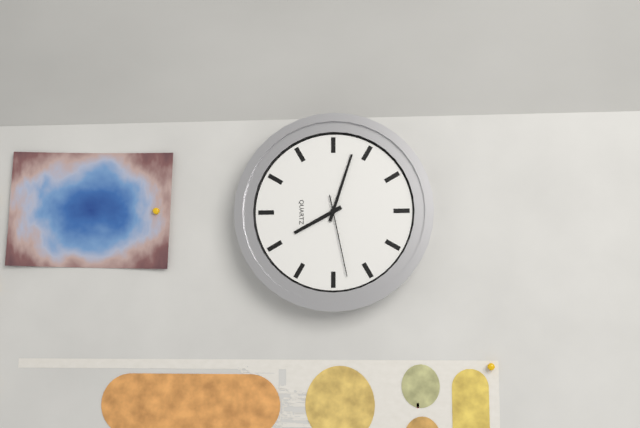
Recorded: h=8 m=3 s=28
